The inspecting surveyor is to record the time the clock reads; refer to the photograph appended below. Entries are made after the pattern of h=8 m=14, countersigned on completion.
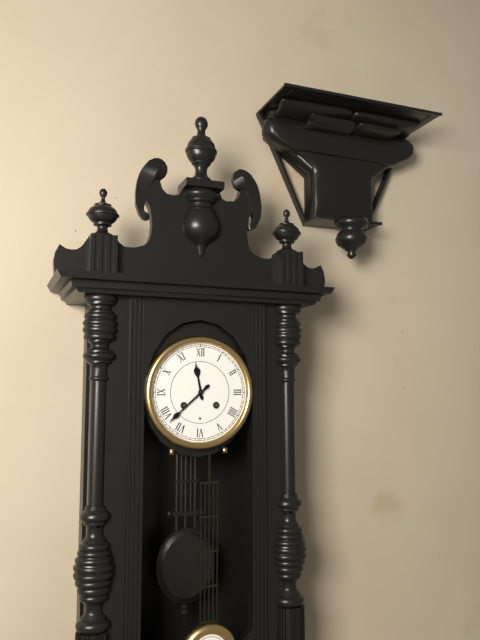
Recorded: h=11 m=38
